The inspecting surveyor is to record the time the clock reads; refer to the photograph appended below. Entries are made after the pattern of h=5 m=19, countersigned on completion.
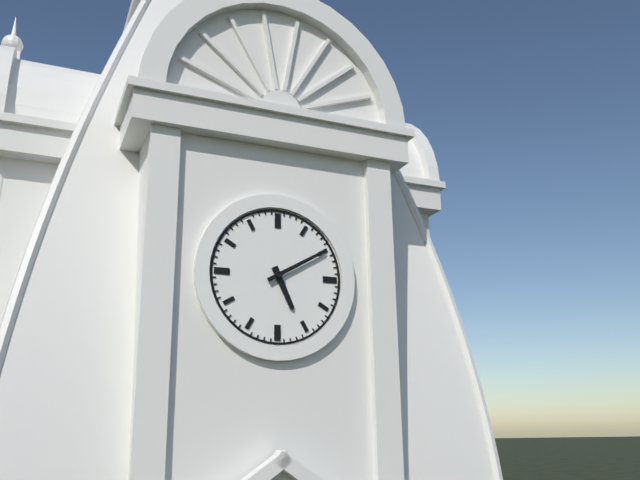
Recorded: h=5 m=10
